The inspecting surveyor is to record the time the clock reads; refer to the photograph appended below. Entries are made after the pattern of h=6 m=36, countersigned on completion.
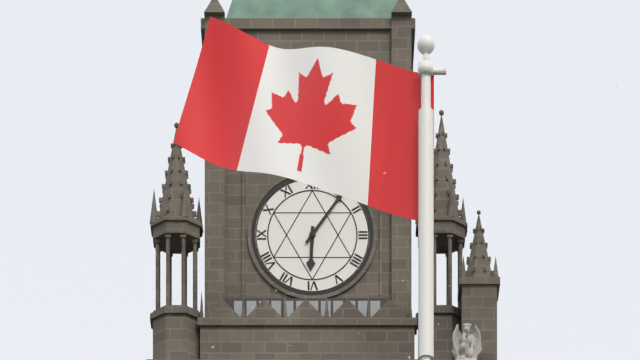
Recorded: h=6 m=6
